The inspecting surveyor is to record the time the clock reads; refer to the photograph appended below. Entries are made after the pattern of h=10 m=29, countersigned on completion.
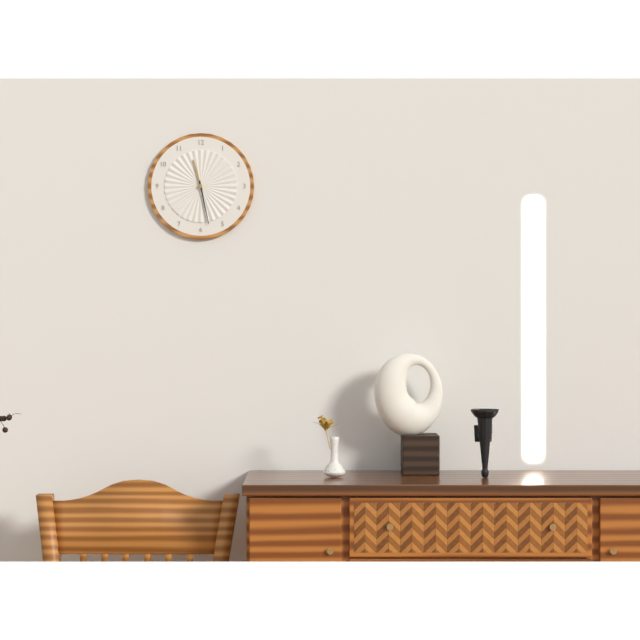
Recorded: h=11 m=28
